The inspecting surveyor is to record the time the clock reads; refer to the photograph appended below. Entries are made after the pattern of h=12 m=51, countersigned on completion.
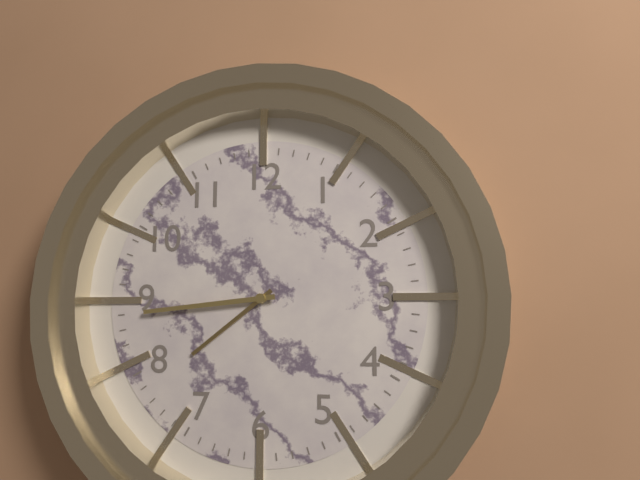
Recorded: h=7 m=44
